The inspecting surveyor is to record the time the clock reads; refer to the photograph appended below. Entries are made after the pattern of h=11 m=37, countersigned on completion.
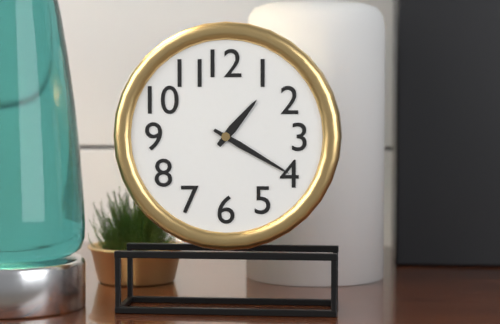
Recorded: h=1 m=20
